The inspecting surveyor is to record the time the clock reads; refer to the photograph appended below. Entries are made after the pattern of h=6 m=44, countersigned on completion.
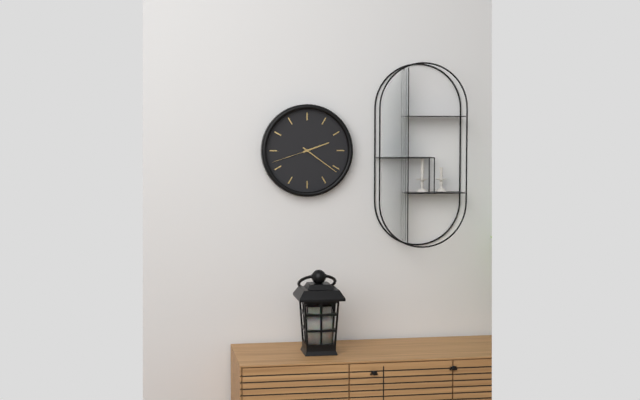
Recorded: h=2 m=21
